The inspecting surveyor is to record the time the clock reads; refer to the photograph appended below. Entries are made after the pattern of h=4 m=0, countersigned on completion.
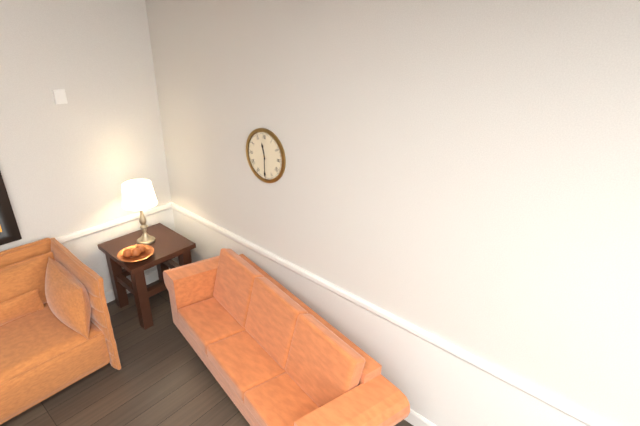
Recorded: h=11 m=30
